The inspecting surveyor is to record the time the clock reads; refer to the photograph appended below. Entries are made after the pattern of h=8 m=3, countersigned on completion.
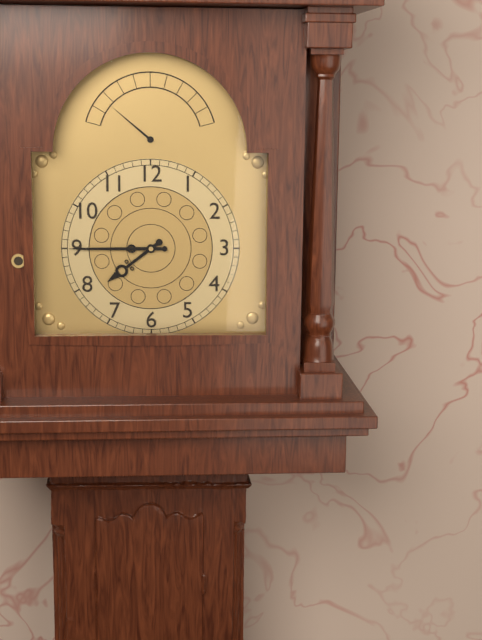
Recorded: h=7 m=45
